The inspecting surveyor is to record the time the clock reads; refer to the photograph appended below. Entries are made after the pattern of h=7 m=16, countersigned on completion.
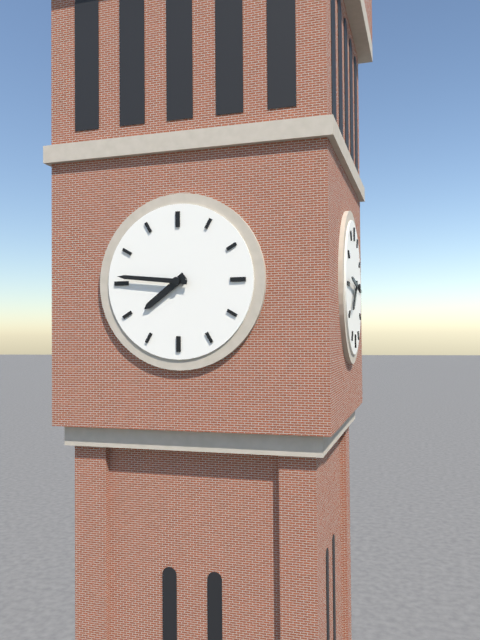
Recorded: h=7 m=46
